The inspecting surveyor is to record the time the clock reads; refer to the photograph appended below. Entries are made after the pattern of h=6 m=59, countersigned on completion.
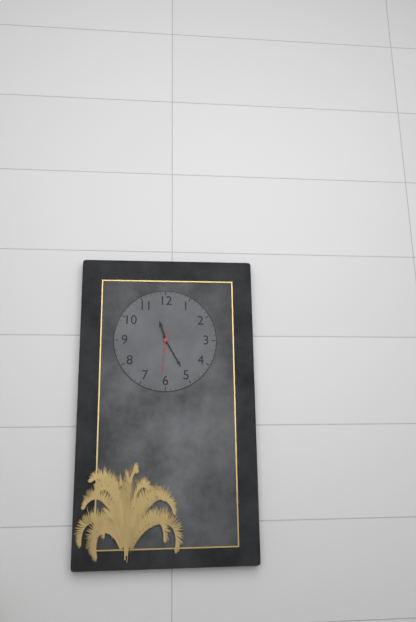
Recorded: h=11 m=25
